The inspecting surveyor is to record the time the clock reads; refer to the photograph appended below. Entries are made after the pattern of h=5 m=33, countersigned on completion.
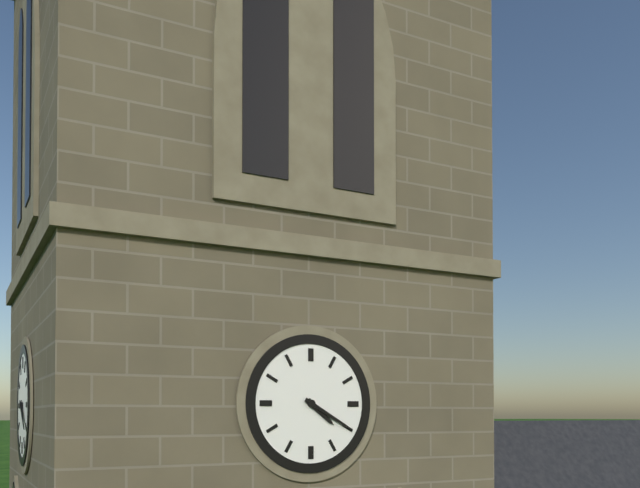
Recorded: h=4 m=20
